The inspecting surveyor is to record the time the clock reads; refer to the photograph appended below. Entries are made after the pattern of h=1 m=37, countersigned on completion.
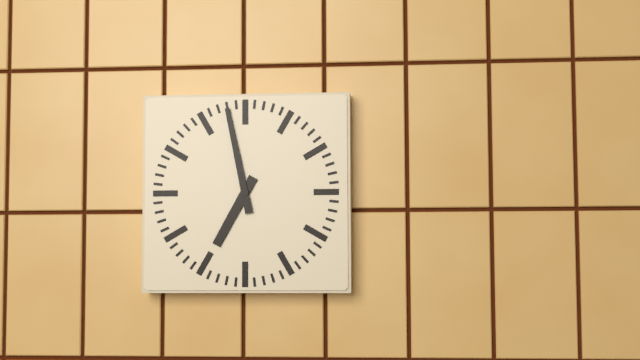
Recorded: h=6 m=58
